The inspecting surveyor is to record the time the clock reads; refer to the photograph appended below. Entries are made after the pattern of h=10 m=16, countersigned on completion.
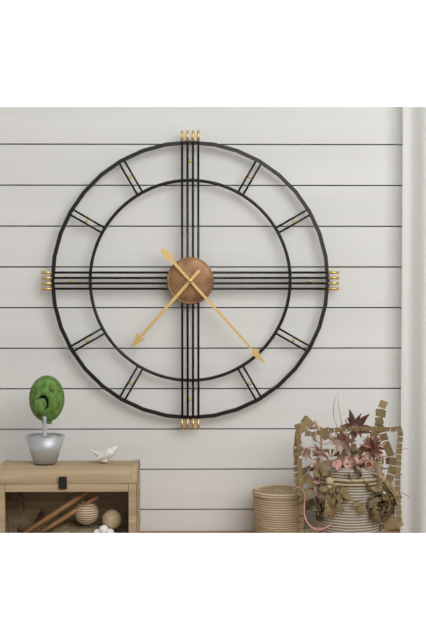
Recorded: h=7 m=23
